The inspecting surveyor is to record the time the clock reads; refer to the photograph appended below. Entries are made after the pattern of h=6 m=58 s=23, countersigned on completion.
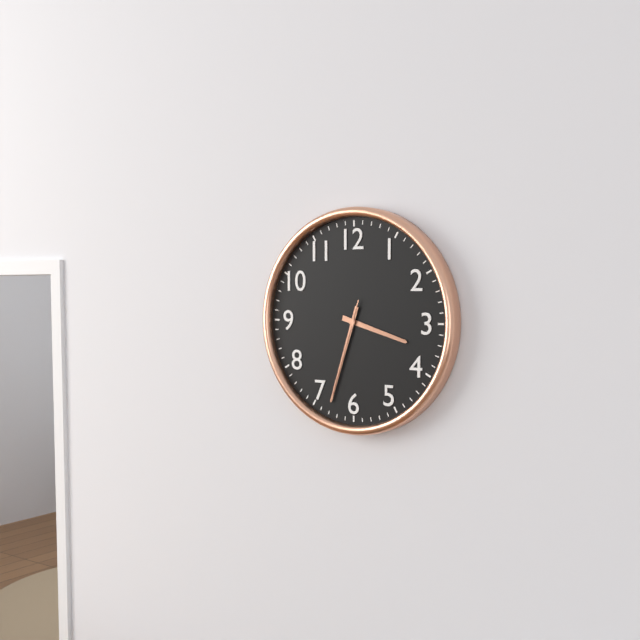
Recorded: h=3 m=33 s=33
